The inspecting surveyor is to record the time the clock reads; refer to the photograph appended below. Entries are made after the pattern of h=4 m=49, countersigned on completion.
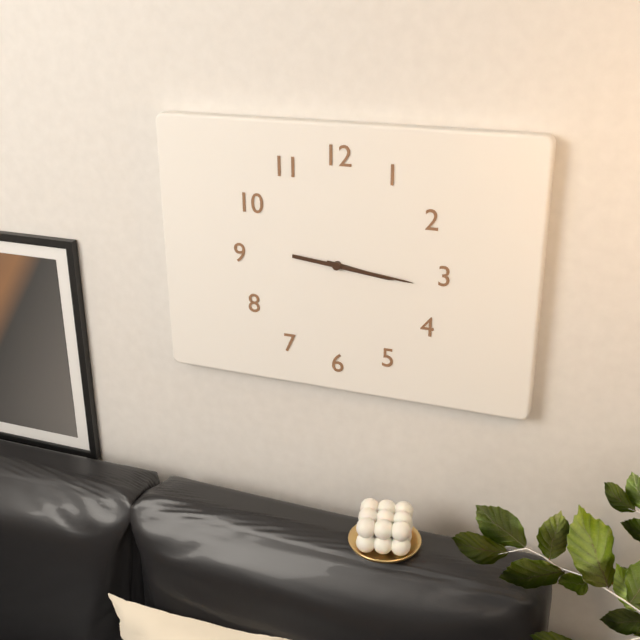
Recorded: h=3 m=16
